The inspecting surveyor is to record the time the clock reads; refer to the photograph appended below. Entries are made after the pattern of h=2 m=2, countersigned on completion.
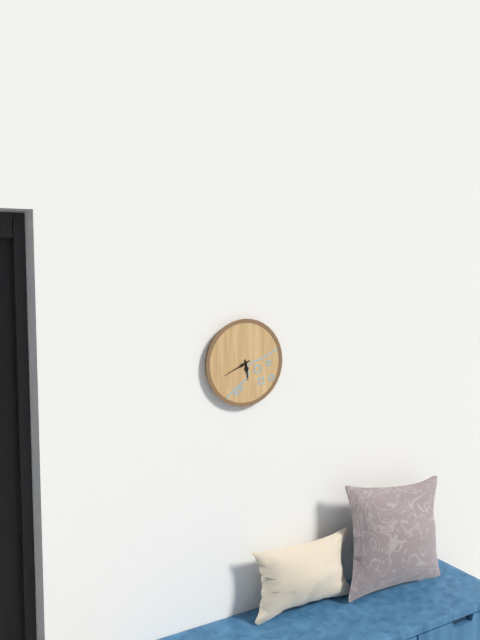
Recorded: h=5 m=41
